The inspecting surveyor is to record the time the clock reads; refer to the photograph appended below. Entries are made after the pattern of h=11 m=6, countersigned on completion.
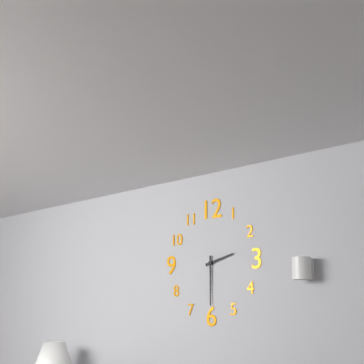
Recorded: h=2 m=30
